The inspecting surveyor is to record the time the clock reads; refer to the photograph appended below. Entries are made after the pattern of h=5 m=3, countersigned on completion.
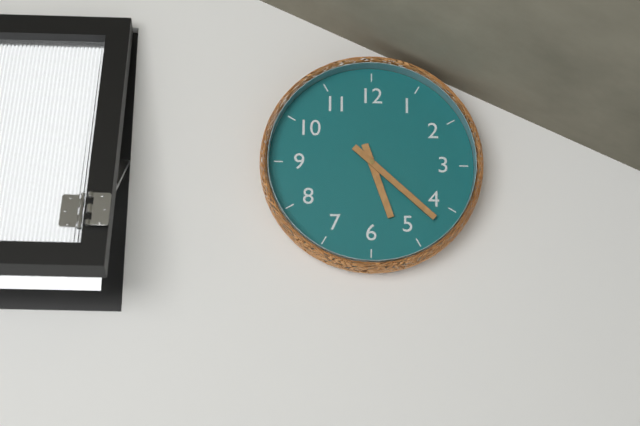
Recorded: h=5 m=22
